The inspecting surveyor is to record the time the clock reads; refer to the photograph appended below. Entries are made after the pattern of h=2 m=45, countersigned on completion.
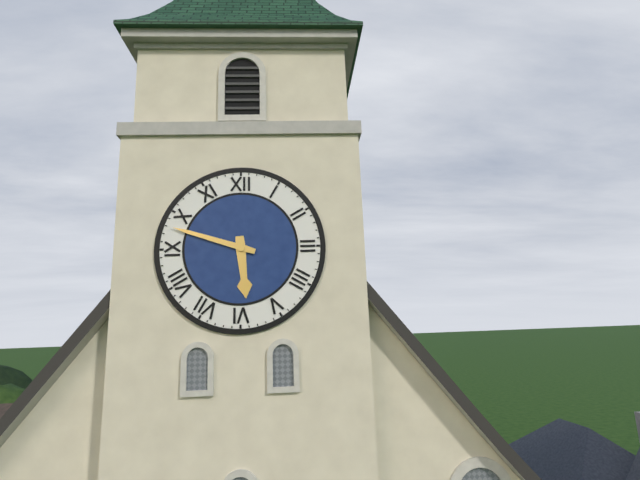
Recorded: h=5 m=48
